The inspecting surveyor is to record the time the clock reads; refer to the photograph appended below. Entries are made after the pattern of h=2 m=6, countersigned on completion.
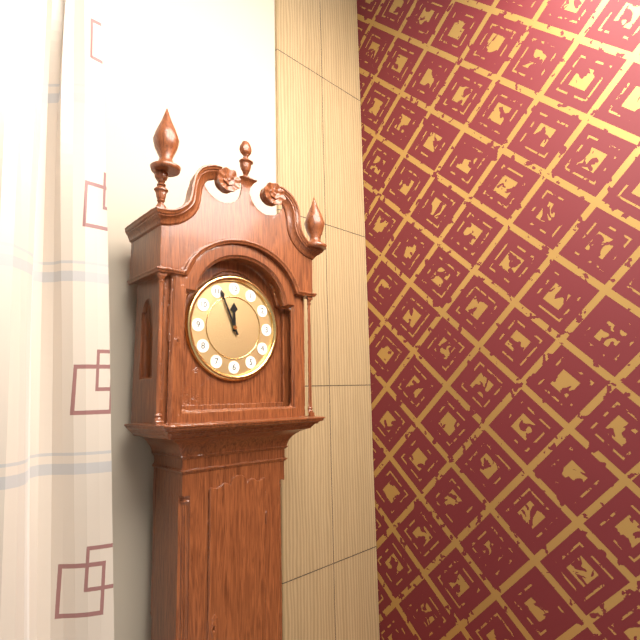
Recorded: h=11 m=56
